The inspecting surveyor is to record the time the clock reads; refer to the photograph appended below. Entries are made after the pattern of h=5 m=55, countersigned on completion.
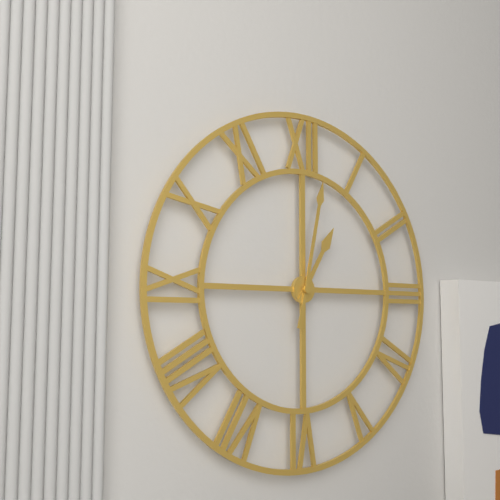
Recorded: h=1 m=2
